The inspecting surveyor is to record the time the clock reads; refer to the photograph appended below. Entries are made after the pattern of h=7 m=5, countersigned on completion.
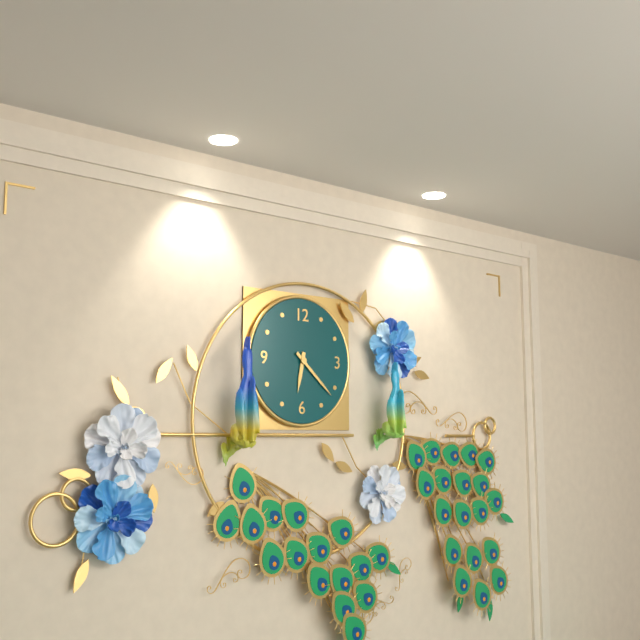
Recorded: h=6 m=22
